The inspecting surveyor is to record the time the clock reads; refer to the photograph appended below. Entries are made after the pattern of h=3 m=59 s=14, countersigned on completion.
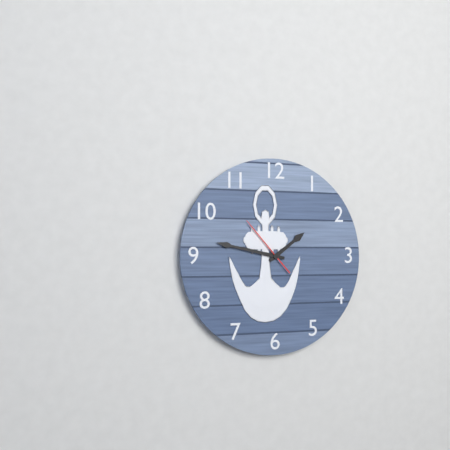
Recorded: h=1 m=47 s=53
